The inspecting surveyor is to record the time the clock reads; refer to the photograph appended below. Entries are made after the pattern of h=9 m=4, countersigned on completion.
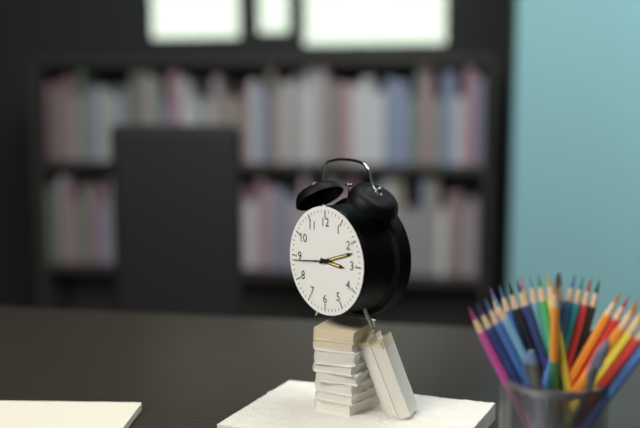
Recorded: h=3 m=12
